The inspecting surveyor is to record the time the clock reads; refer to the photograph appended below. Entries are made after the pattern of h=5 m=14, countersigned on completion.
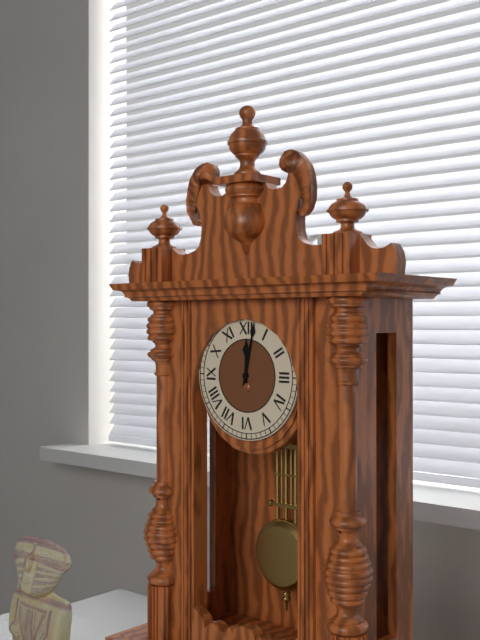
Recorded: h=12 m=2
